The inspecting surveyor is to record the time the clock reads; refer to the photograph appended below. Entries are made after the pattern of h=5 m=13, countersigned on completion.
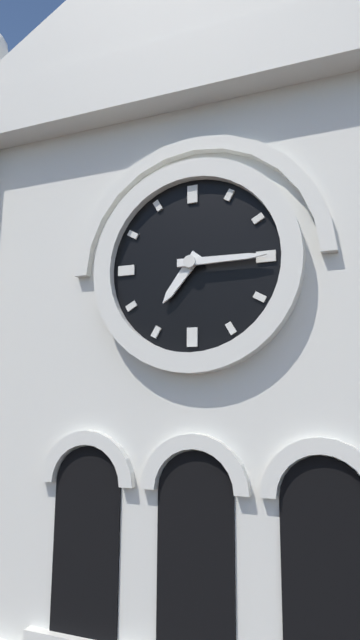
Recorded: h=7 m=15
